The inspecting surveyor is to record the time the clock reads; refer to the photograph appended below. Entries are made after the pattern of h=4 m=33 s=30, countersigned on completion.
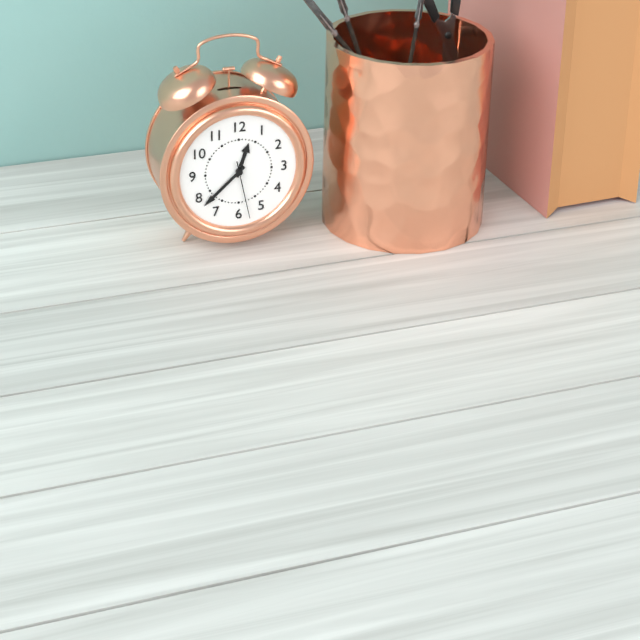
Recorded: h=12 m=38 s=28
